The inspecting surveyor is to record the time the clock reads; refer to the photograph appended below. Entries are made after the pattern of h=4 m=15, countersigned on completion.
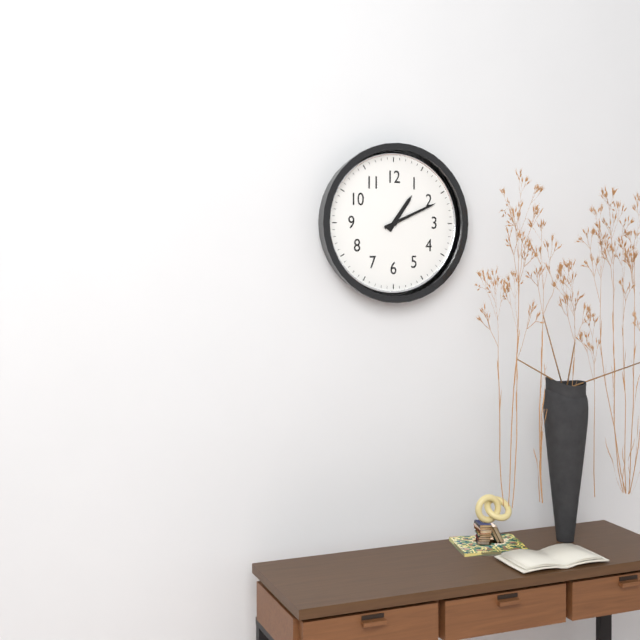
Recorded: h=1 m=11
